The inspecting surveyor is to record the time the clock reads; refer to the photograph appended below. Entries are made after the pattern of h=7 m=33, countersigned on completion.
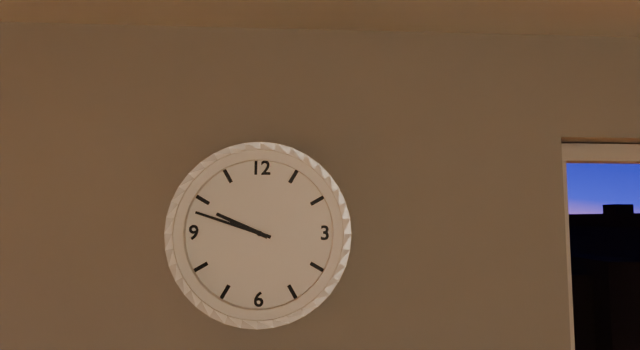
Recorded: h=9 m=48
